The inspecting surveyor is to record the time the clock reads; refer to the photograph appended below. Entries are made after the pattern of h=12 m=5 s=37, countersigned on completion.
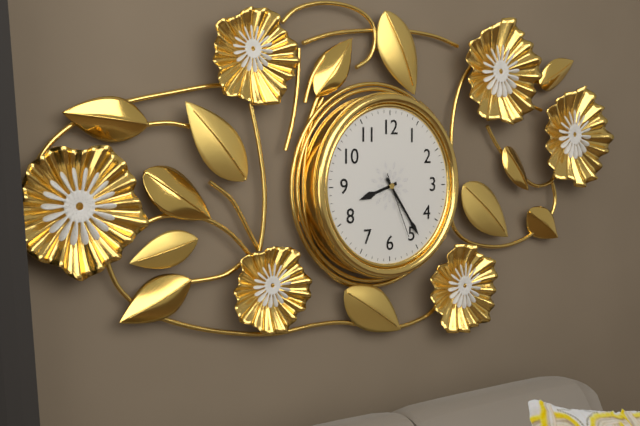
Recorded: h=8 m=24 s=26
